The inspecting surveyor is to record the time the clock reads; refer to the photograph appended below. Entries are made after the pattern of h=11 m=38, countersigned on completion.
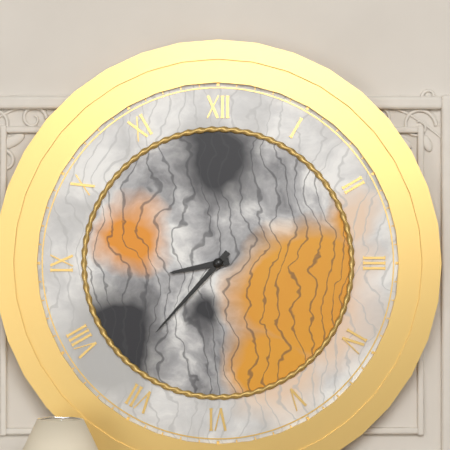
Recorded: h=8 m=37
